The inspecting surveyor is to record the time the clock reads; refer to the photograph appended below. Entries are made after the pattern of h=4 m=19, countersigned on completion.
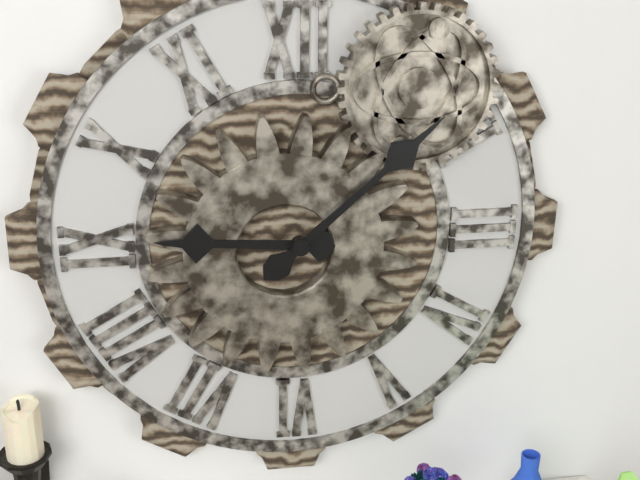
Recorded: h=9 m=8
